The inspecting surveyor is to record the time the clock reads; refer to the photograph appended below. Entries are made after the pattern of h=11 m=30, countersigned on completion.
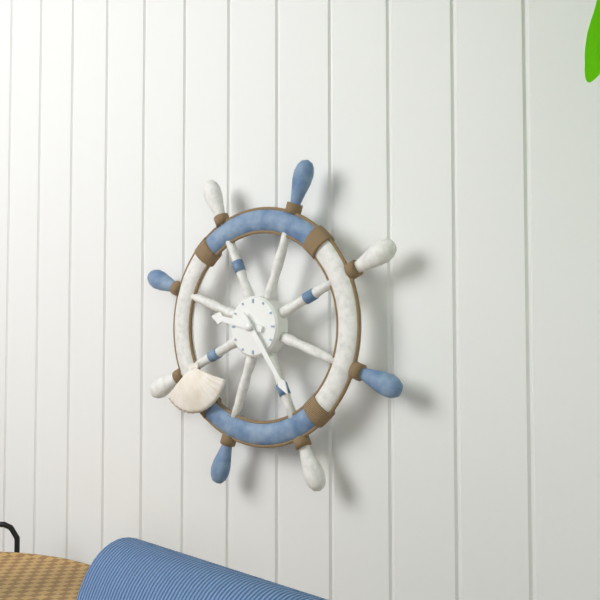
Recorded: h=9 m=24
